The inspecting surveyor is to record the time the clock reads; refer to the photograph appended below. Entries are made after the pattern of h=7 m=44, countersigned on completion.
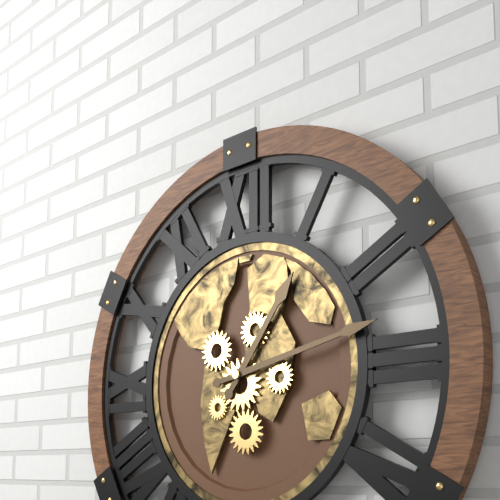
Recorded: h=1 m=13
